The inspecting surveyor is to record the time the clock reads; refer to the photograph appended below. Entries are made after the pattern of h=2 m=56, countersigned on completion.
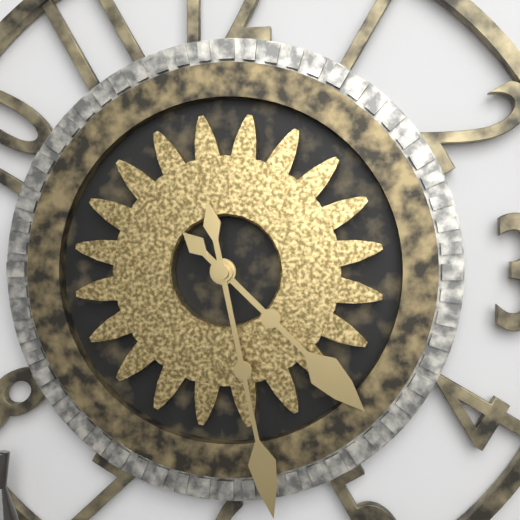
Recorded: h=4 m=28
